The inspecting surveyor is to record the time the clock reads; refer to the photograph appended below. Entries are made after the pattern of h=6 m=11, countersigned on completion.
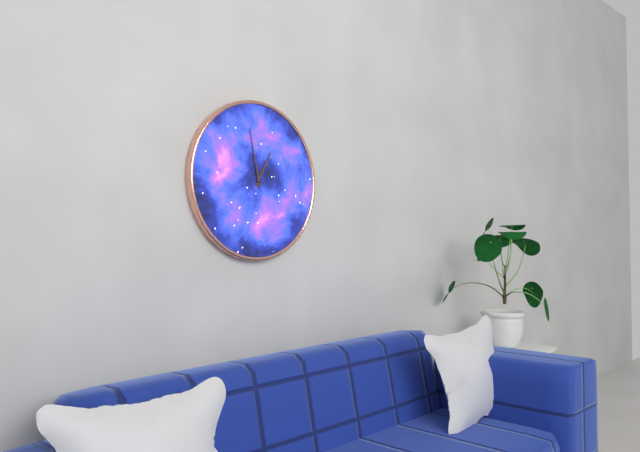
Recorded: h=12 m=58
